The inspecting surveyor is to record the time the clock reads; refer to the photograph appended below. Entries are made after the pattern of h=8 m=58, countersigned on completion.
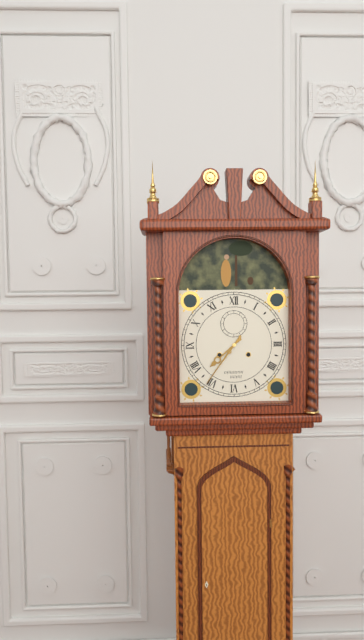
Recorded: h=7 m=36
